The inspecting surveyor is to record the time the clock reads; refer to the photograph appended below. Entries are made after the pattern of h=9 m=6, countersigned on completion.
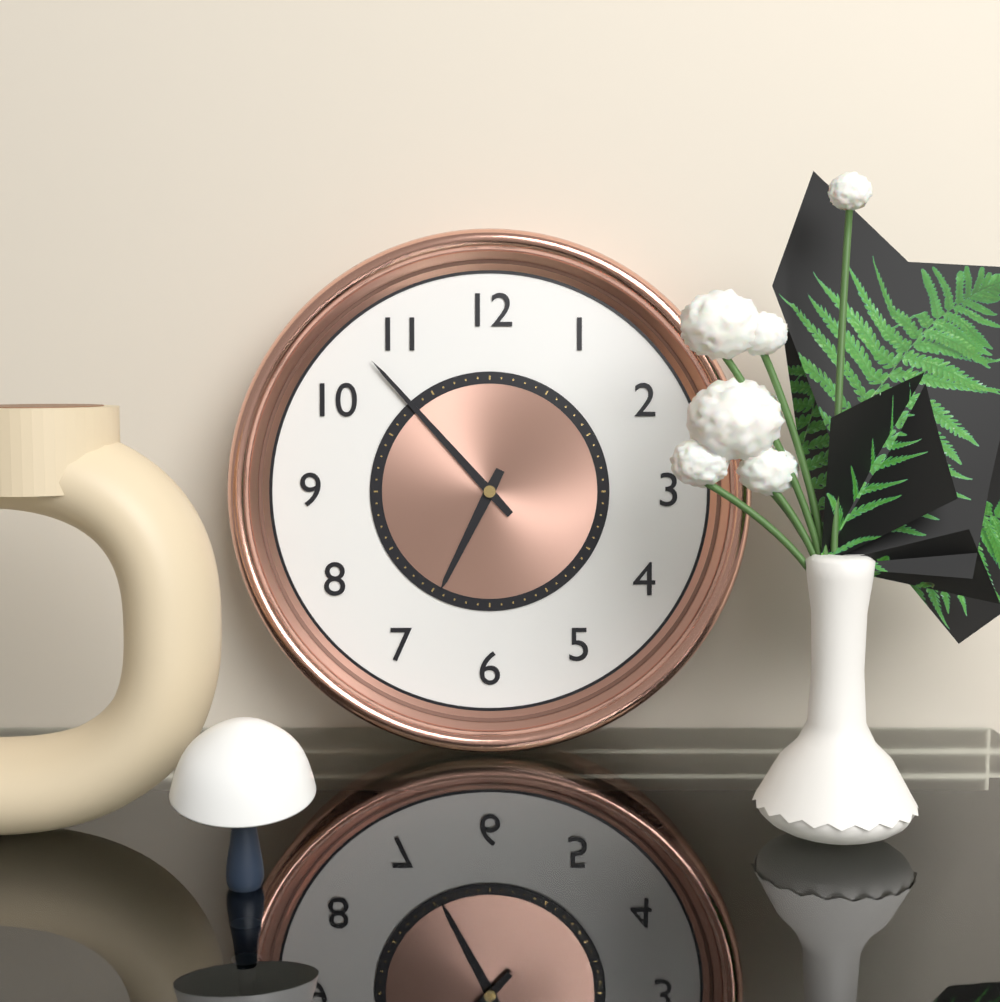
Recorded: h=6 m=53
